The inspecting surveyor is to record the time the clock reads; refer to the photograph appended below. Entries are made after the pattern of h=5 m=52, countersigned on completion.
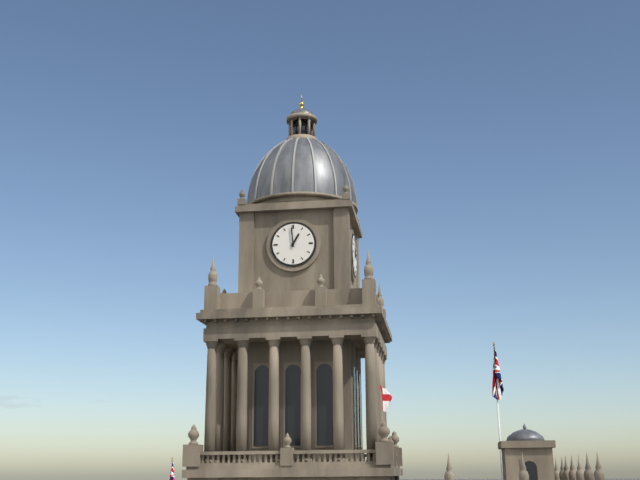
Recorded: h=12 m=59
